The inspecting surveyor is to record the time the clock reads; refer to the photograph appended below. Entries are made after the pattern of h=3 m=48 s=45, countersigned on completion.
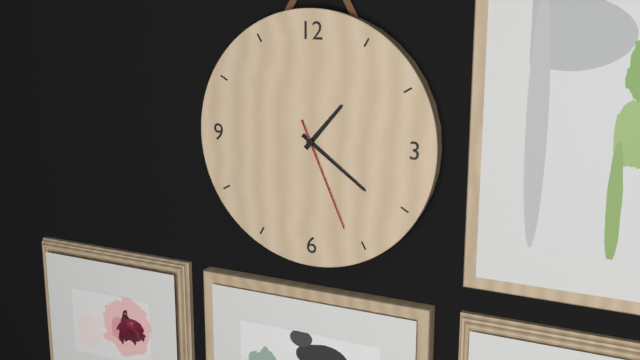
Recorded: h=1 m=21 s=26
